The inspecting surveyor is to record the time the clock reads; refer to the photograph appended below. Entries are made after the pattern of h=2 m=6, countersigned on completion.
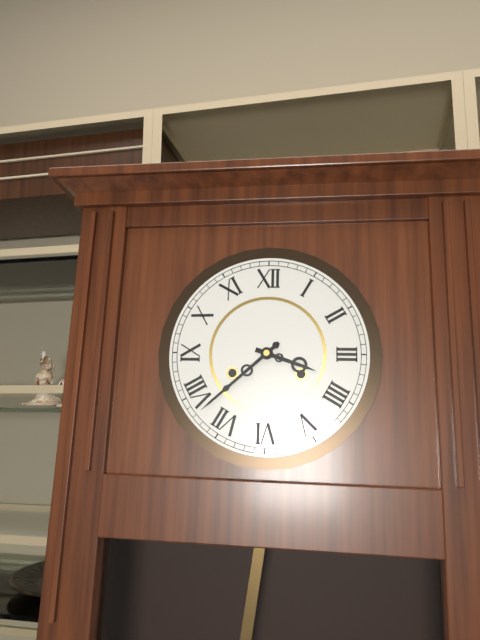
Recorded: h=3 m=38
